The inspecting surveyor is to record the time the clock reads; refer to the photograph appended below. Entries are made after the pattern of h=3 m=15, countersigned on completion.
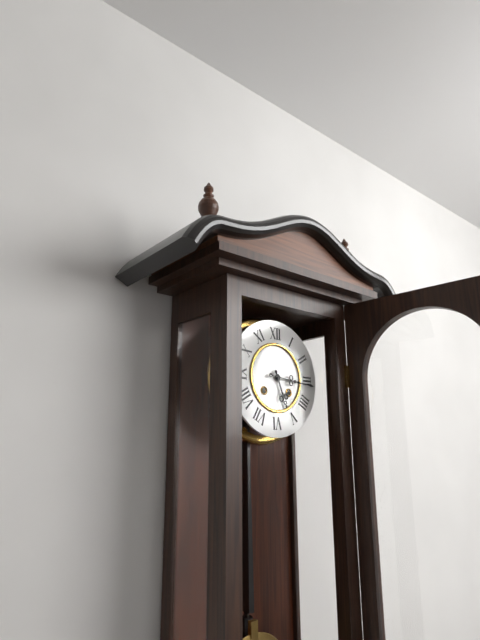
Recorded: h=5 m=16
